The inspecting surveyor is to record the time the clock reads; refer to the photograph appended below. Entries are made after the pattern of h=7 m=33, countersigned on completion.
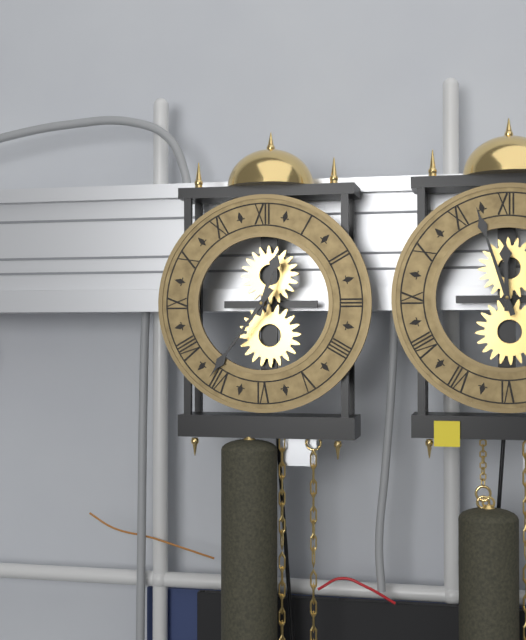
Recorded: h=12 m=36
